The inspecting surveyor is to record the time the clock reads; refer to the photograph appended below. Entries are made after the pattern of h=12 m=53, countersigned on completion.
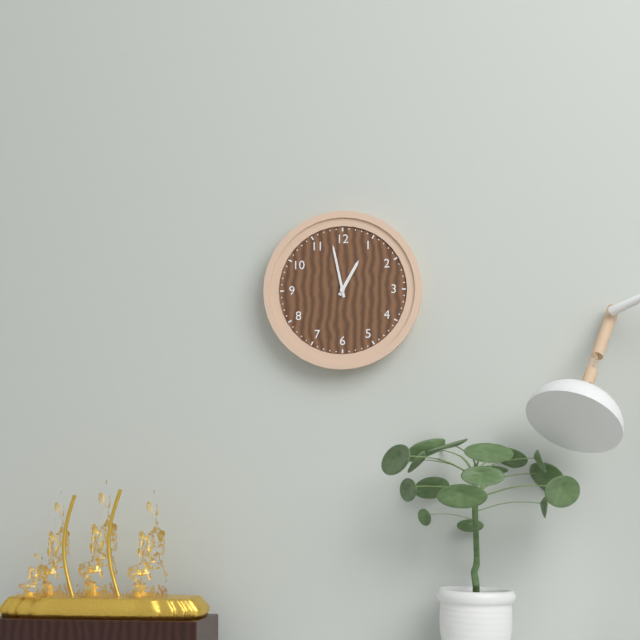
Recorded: h=12 m=58
